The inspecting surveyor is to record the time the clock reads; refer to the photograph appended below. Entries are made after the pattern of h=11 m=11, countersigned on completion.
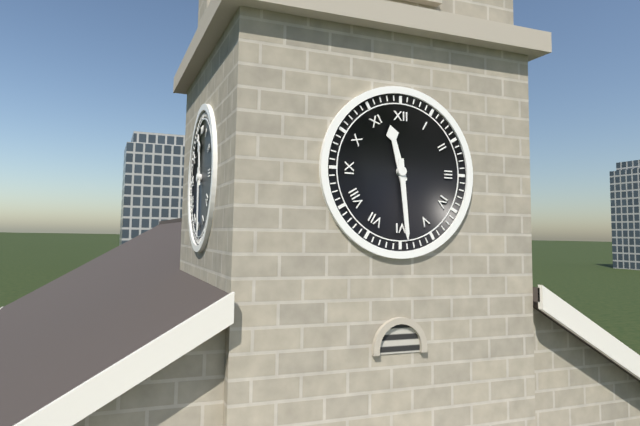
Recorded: h=11 m=29
